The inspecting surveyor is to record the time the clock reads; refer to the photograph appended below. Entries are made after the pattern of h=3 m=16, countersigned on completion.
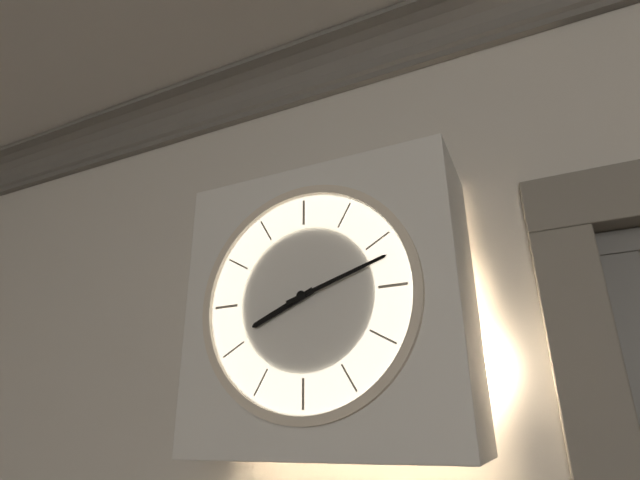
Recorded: h=8 m=12
